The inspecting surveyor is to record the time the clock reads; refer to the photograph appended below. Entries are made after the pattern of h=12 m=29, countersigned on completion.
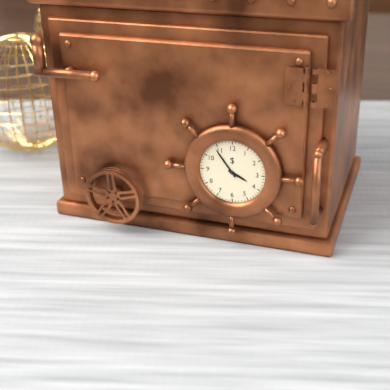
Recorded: h=3 m=54
